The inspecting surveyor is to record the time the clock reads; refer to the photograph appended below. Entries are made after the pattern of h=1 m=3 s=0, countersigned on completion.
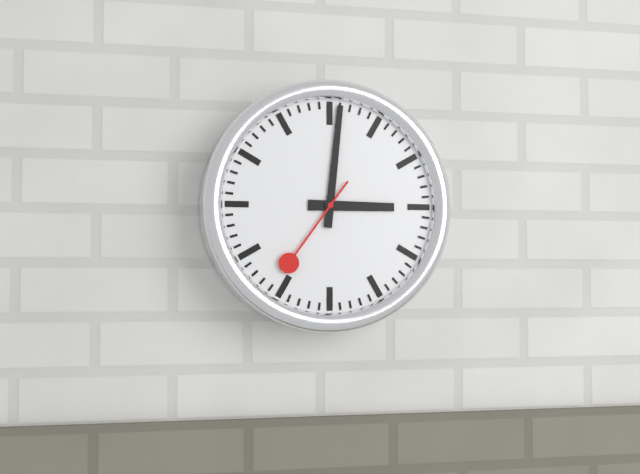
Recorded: h=3 m=1 s=36
